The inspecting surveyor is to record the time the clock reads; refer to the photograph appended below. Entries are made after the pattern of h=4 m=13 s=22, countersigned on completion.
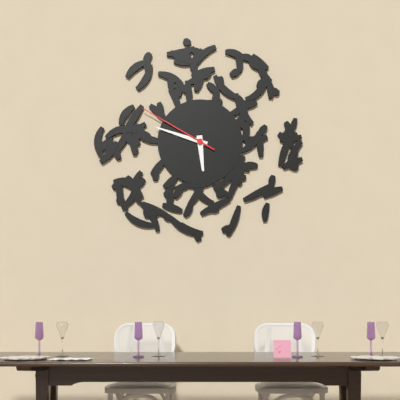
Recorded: h=5 m=48 s=50
